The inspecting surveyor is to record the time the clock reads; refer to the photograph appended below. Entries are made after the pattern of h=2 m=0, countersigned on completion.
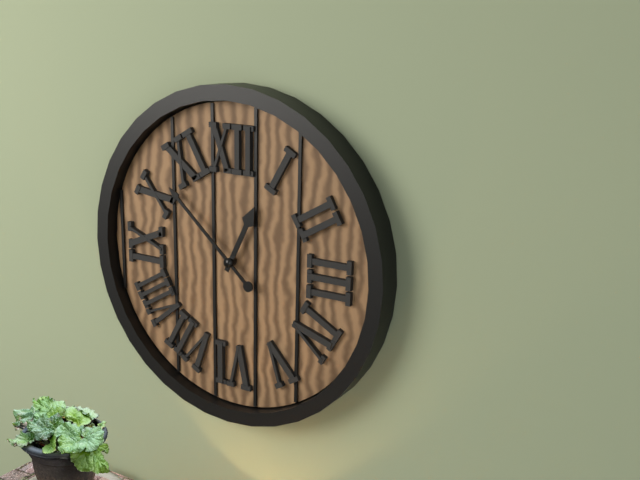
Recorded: h=12 m=52
